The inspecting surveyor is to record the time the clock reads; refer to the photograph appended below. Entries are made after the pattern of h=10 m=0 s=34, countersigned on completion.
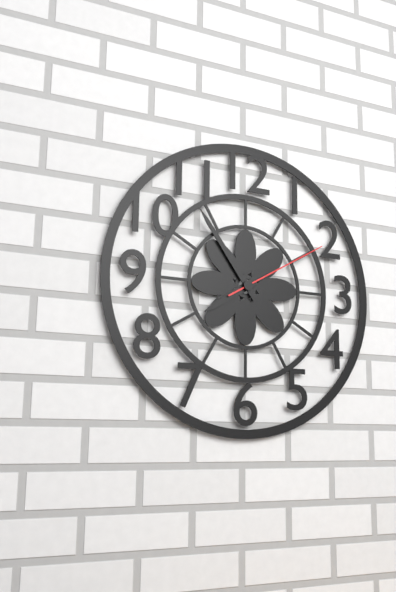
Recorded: h=7 m=54 s=10
